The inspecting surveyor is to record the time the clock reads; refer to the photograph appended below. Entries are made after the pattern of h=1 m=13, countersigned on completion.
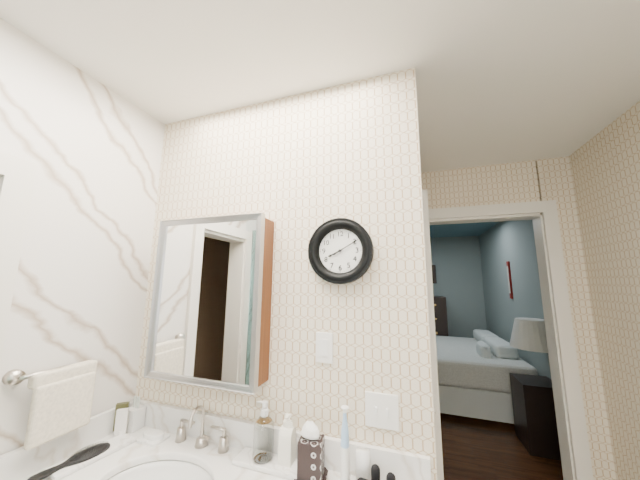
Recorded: h=8 m=10
